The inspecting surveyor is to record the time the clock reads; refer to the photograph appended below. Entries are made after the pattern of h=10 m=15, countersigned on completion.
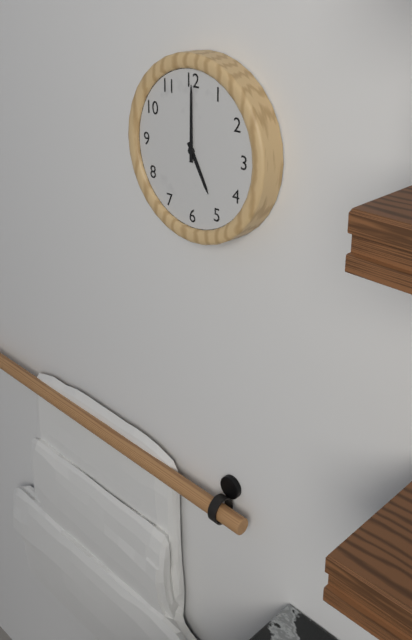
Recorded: h=5 m=0
